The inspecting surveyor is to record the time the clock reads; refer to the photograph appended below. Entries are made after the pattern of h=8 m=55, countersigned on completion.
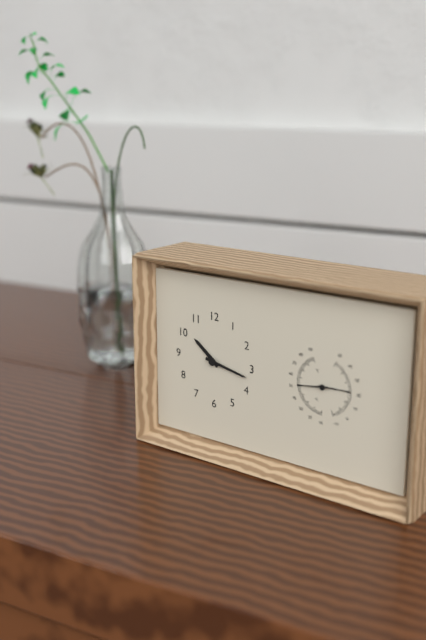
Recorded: h=10 m=17
